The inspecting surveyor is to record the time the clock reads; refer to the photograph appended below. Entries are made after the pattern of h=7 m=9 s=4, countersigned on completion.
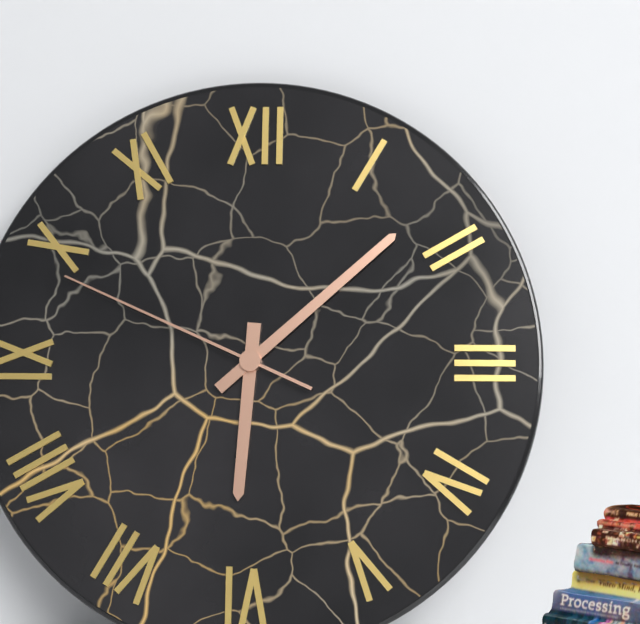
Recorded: h=6 m=8 s=49
